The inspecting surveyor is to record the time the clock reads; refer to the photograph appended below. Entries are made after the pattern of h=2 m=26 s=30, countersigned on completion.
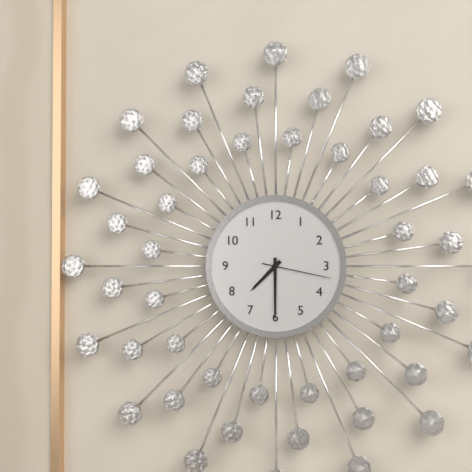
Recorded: h=7 m=30 s=17
